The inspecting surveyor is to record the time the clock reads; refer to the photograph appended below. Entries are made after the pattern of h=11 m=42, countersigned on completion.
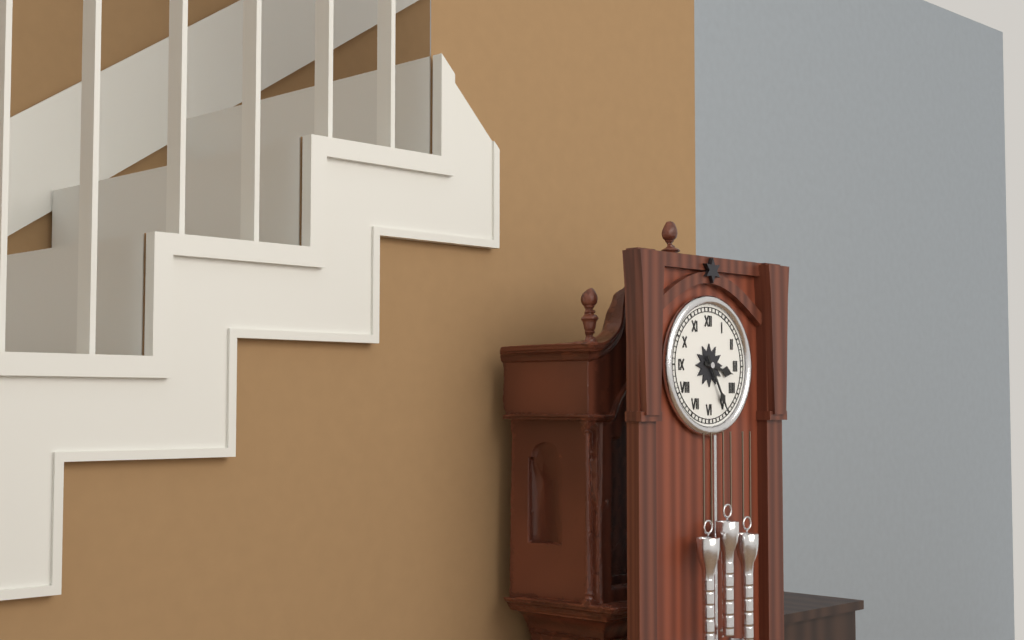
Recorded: h=3 m=25
